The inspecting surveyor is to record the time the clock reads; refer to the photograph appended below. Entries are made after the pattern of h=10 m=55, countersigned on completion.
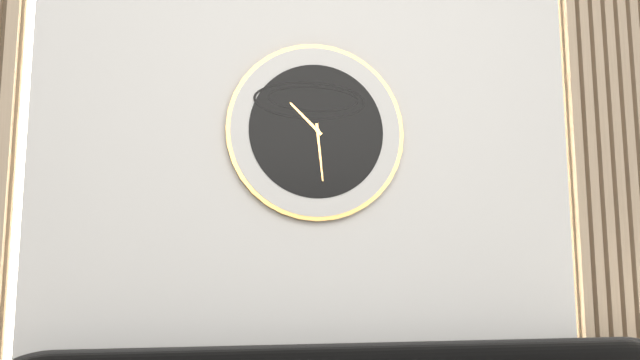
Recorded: h=10 m=29
